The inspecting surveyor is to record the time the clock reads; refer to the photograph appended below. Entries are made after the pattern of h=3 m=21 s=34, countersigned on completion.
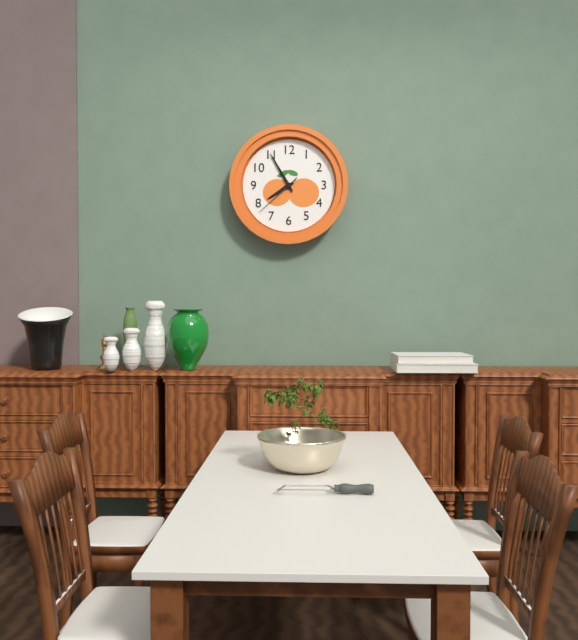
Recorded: h=7 m=55 s=38
